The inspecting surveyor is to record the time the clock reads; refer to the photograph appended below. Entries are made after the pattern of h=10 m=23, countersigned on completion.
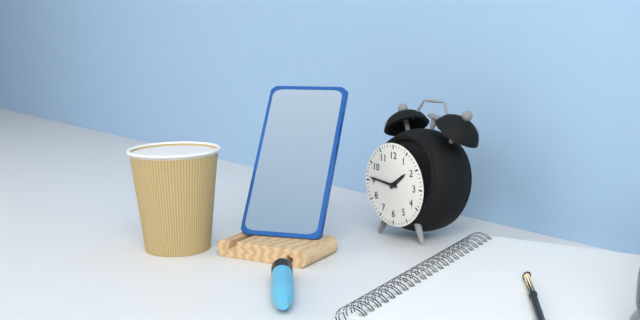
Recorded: h=1 m=46
